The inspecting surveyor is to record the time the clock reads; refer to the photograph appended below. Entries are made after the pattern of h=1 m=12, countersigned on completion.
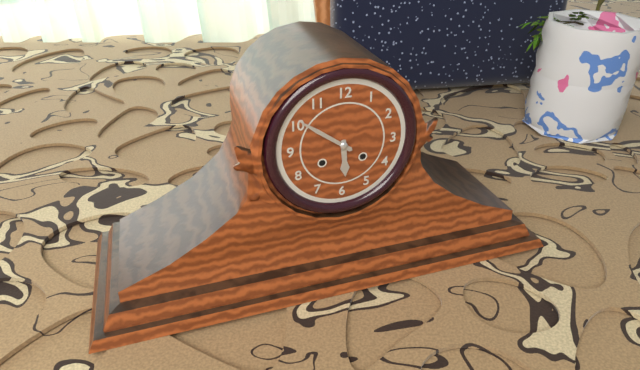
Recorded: h=5 m=51
